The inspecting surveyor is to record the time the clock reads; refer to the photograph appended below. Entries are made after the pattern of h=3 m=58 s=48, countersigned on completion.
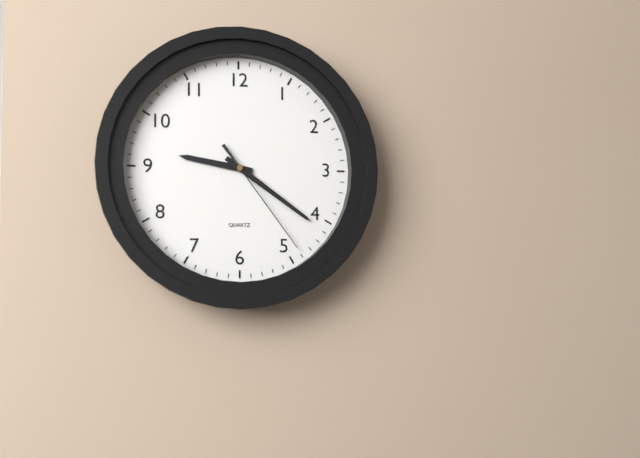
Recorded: h=9 m=21 s=24
